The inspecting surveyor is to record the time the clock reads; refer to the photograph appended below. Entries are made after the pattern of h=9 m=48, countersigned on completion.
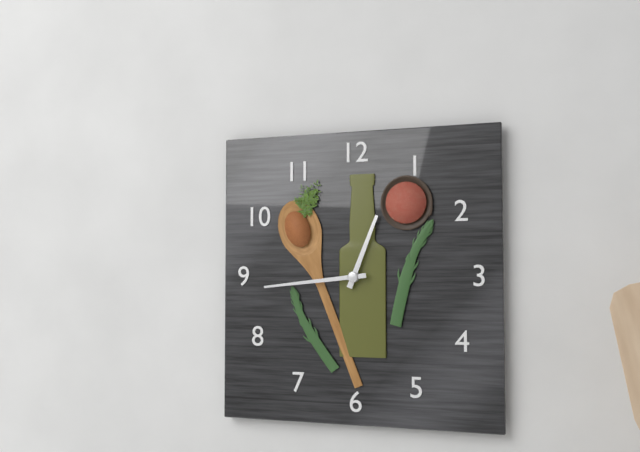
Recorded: h=12 m=44
